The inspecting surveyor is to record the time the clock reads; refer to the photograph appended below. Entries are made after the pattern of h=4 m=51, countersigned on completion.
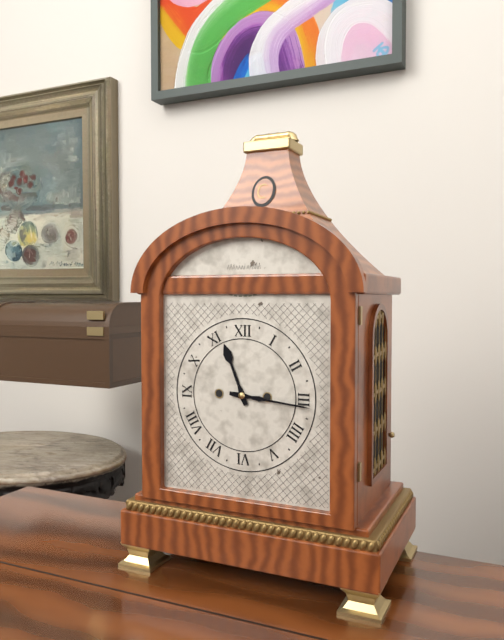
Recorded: h=11 m=16
